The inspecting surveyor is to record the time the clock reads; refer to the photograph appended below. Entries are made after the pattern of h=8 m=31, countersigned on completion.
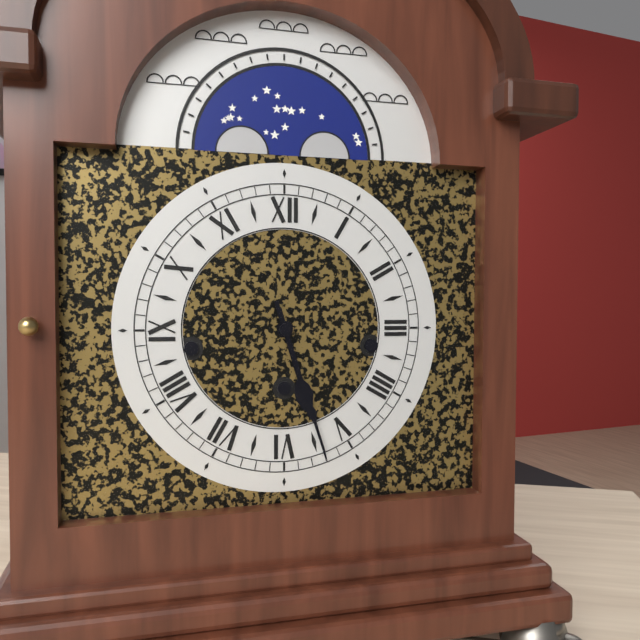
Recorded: h=5 m=27
